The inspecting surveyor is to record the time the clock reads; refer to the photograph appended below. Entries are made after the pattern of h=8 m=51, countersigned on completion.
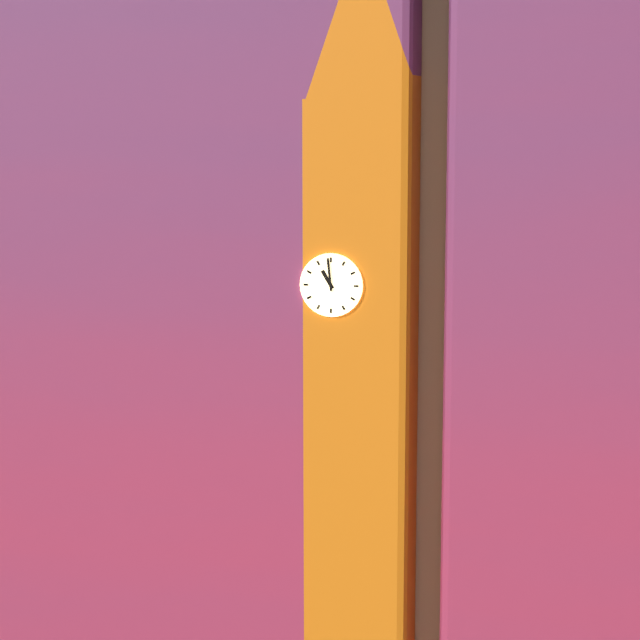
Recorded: h=10 m=59
